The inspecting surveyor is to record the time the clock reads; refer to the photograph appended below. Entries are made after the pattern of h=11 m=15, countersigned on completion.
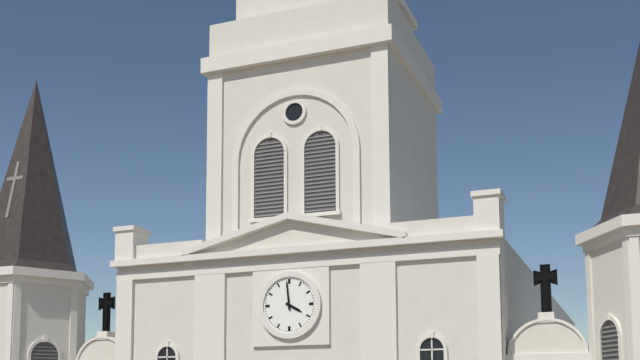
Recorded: h=3 m=59
